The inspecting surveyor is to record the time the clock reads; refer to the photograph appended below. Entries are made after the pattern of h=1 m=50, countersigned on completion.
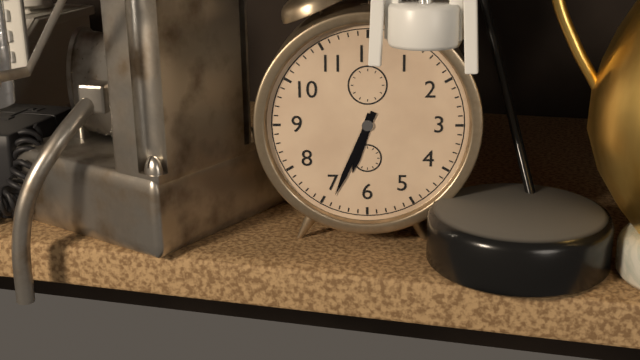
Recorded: h=6 m=34
